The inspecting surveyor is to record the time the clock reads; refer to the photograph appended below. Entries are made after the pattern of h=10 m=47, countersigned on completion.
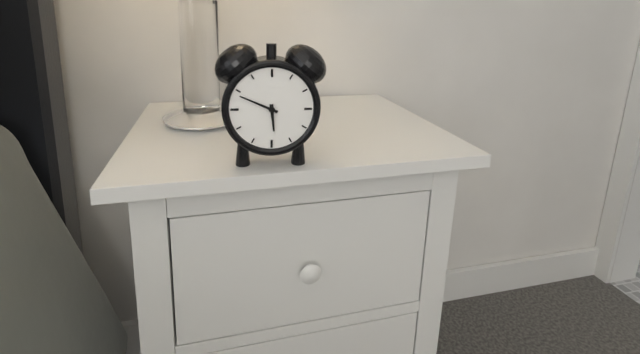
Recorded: h=5 m=49
